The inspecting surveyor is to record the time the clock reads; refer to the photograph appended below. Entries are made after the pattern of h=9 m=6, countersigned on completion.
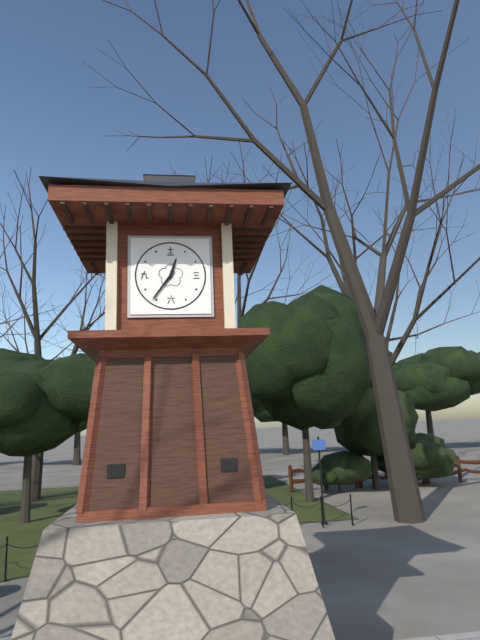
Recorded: h=12 m=36
